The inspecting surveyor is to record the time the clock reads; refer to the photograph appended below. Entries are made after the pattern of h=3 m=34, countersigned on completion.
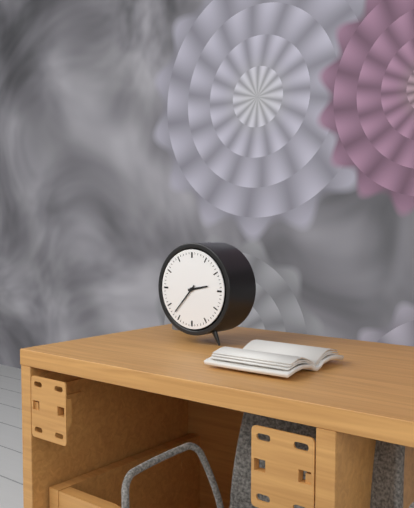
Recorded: h=2 m=37
